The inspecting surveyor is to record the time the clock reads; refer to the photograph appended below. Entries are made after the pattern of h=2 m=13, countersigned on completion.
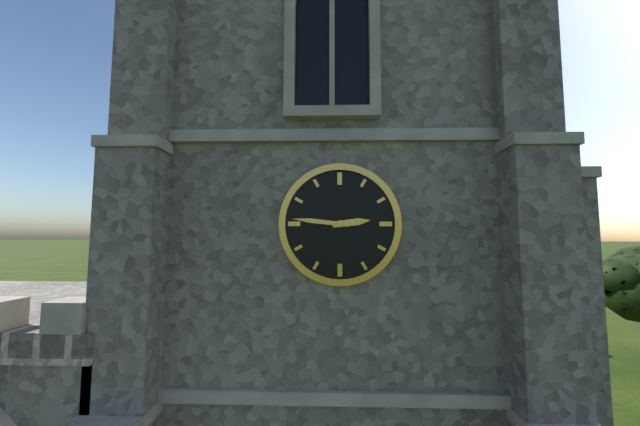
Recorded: h=2 m=46
